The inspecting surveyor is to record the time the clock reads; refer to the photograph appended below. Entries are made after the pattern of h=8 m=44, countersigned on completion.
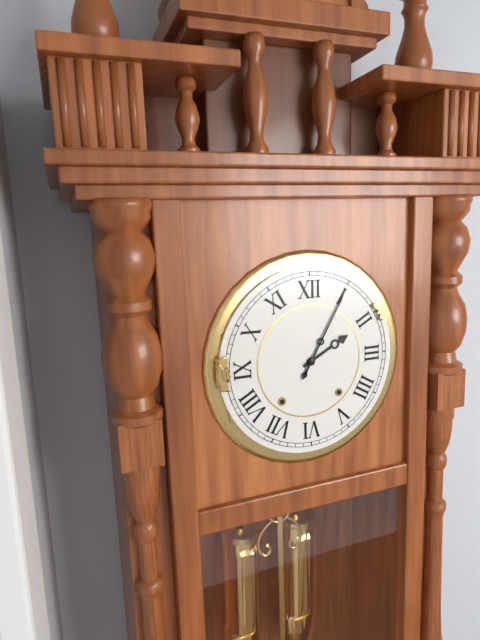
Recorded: h=2 m=5
